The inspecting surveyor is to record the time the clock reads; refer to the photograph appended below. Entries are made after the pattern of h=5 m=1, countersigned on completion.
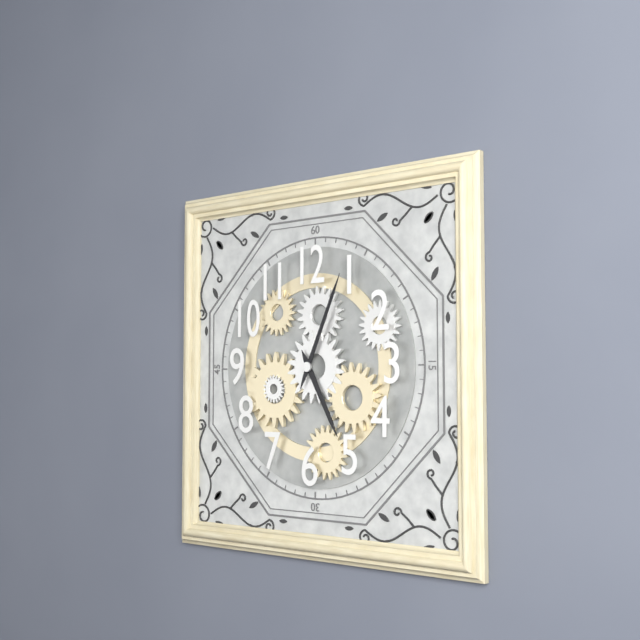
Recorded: h=5 m=4
